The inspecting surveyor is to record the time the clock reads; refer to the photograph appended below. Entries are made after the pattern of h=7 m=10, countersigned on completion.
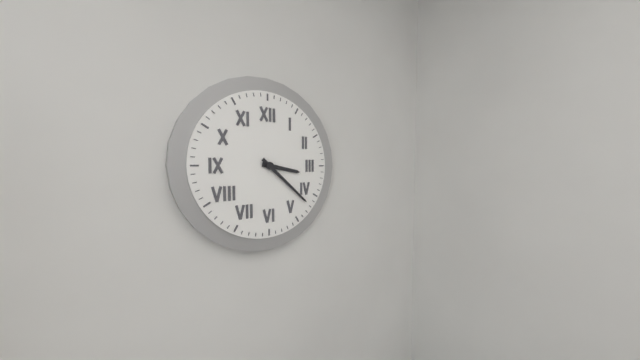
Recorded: h=3 m=22
